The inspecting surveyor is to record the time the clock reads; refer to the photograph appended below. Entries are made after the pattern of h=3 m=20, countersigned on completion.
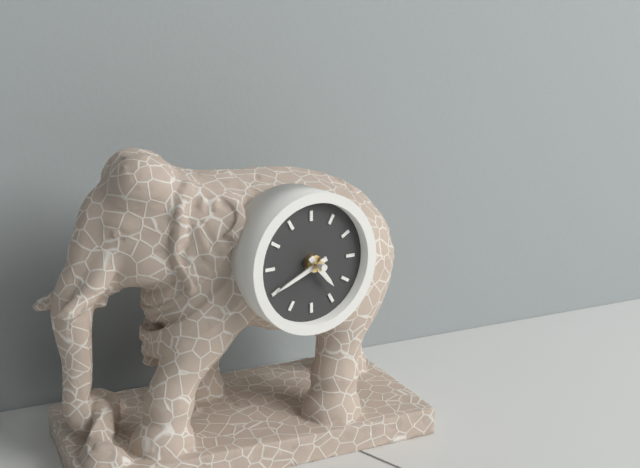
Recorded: h=4 m=41
